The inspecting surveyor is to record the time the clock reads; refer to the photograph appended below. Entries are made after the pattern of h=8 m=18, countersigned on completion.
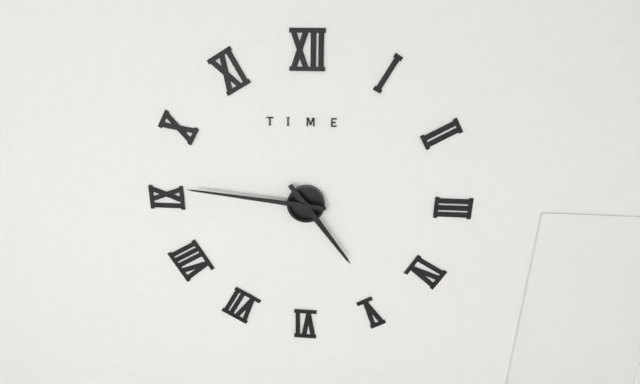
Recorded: h=4 m=46
